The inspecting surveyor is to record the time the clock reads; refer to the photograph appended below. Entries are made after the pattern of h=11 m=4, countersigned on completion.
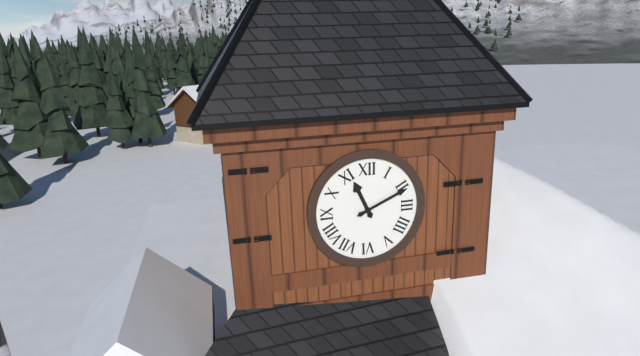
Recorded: h=11 m=11
